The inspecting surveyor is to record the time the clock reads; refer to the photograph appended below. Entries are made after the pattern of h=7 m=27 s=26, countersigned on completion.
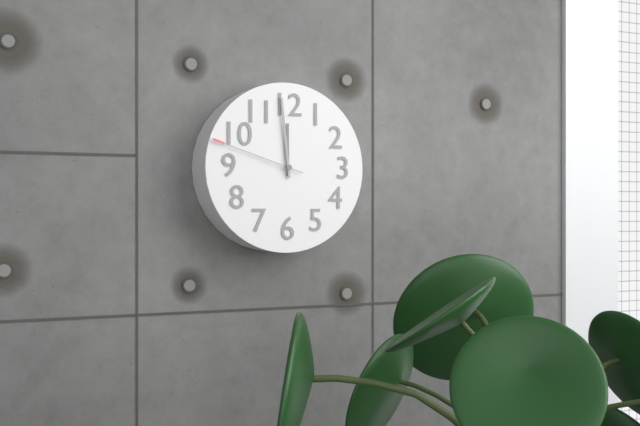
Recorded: h=11 m=59 s=48
